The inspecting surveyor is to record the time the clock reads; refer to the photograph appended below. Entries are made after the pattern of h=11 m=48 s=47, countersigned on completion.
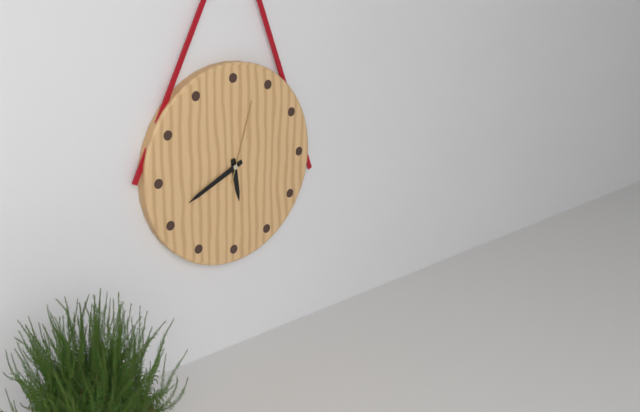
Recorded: h=5 m=41 s=3
